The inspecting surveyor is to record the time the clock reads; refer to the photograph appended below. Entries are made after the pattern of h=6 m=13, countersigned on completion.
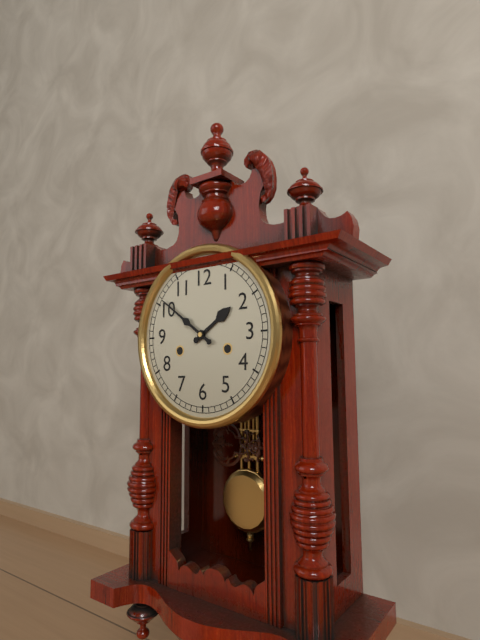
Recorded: h=1 m=51
